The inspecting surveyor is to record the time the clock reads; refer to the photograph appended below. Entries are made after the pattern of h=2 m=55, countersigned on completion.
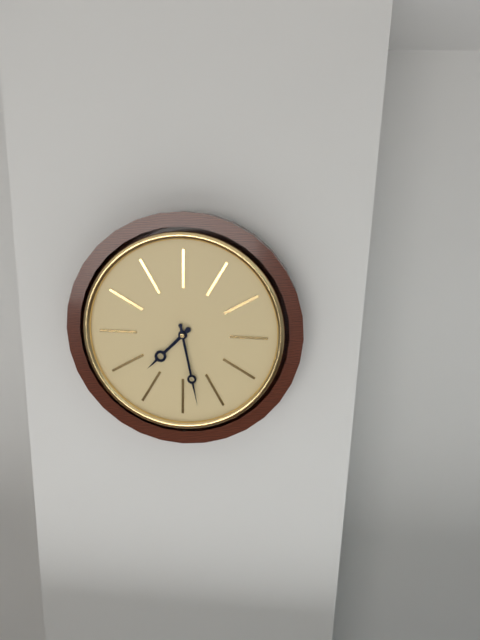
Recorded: h=7 m=28
